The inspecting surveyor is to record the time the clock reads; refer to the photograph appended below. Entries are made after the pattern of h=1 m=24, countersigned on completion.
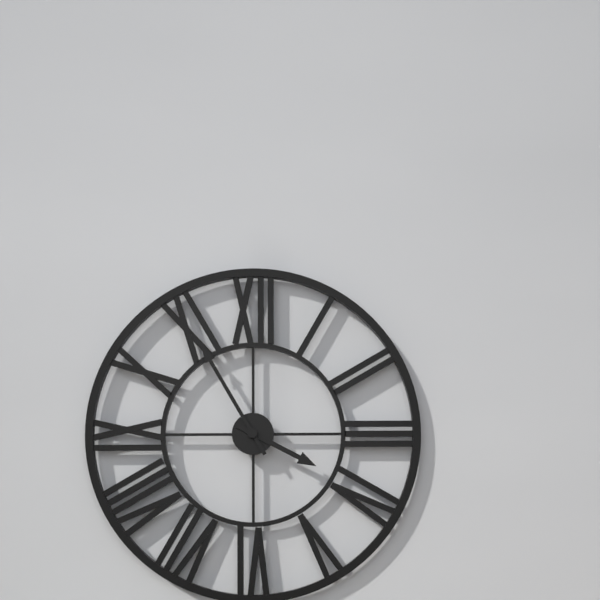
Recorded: h=3 m=55
